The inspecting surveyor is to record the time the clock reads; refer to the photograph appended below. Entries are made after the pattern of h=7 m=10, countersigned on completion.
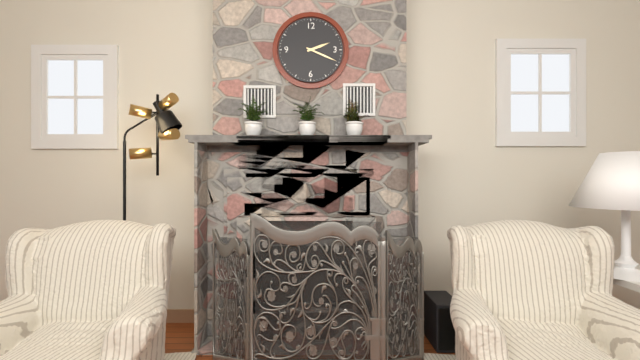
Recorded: h=2 m=19
